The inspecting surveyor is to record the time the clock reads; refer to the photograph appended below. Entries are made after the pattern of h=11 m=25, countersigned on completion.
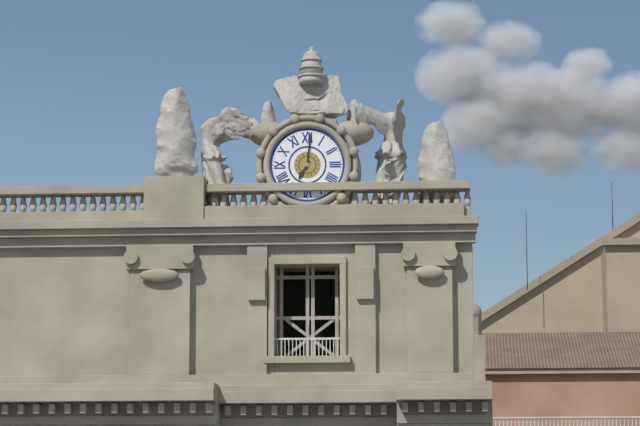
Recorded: h=7 m=1
